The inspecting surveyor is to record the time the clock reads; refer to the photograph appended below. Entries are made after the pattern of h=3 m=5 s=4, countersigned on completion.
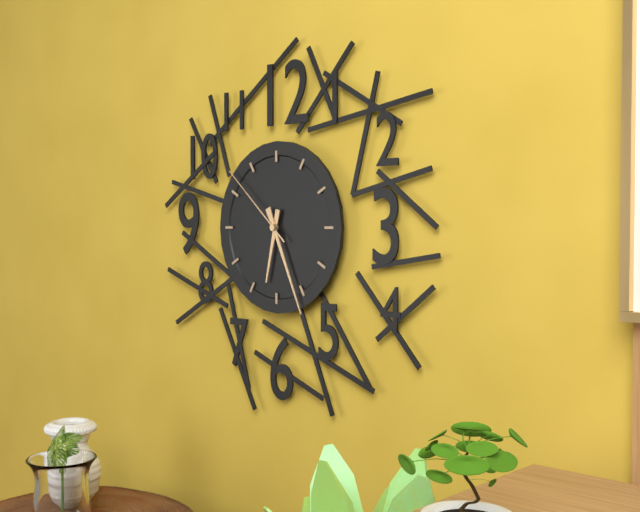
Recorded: h=6 m=26 s=52
